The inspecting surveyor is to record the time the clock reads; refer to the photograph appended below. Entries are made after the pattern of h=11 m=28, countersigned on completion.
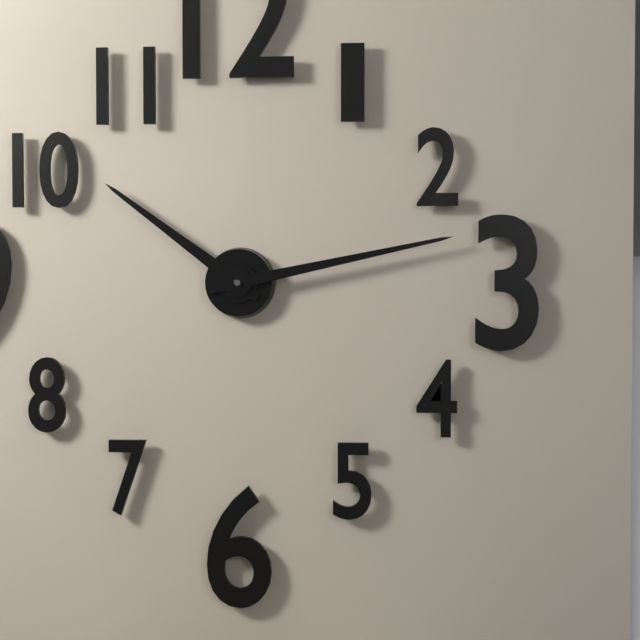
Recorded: h=10 m=13
